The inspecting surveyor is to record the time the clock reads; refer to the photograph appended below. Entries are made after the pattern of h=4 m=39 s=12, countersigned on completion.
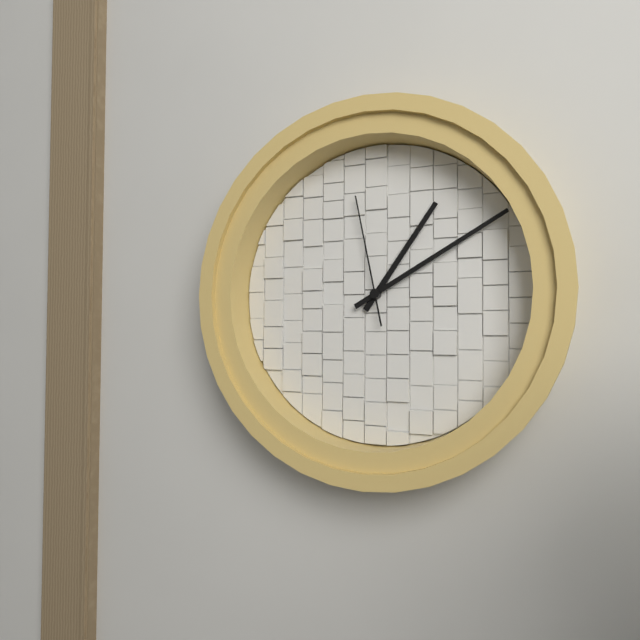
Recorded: h=1 m=10 s=58
